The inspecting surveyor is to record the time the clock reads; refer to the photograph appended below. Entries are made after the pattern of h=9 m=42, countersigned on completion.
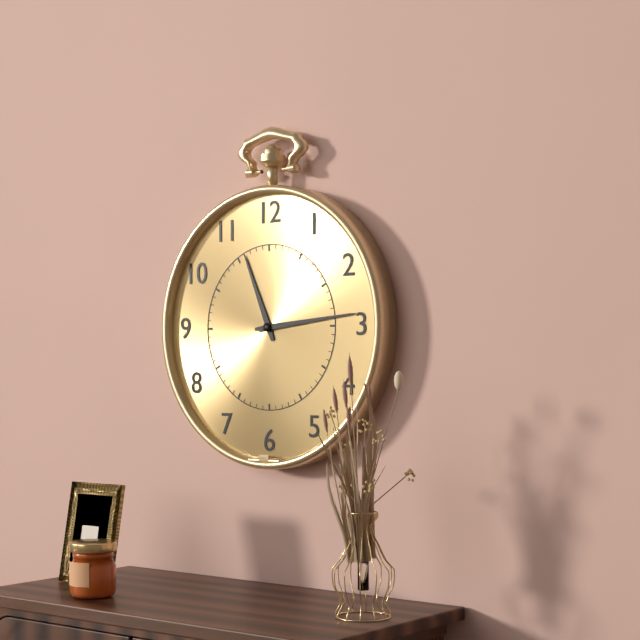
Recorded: h=11 m=14
